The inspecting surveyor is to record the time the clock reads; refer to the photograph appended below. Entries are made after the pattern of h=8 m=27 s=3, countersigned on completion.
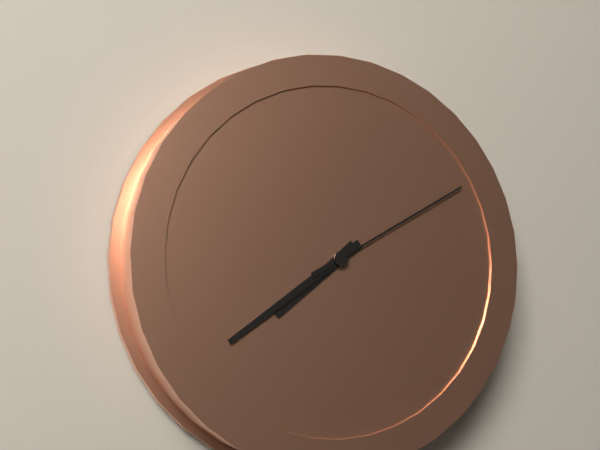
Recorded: h=7 m=39 s=10
